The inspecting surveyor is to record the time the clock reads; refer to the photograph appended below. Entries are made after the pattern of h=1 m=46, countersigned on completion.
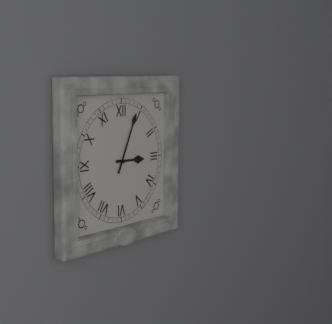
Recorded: h=3 m=4
